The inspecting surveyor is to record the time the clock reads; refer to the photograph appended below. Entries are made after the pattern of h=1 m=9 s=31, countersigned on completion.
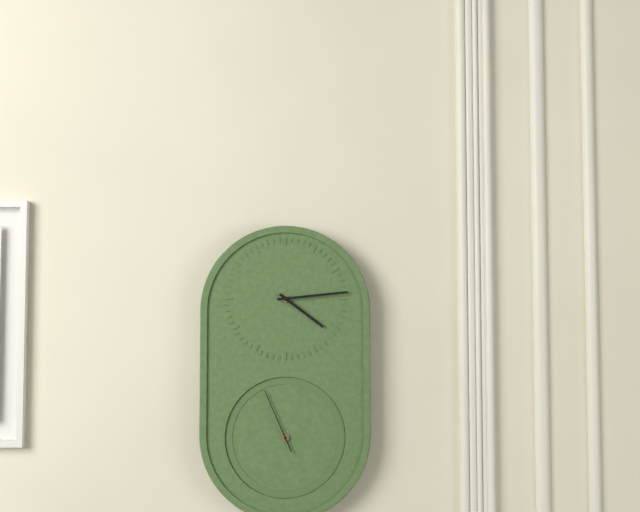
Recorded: h=4 m=14 s=56
